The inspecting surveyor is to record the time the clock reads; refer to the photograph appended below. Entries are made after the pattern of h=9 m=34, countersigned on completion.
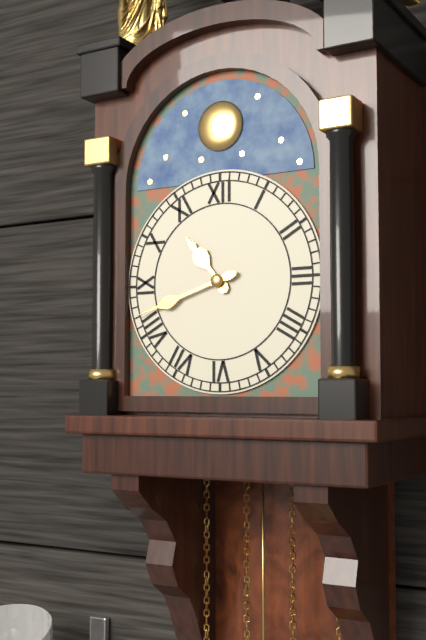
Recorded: h=10 m=42
